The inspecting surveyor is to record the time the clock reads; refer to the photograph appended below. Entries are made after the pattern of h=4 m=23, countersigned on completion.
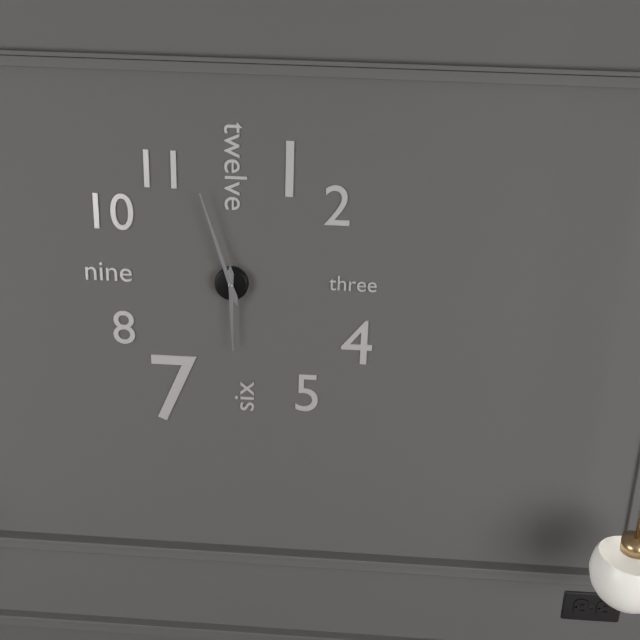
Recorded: h=5 m=57
